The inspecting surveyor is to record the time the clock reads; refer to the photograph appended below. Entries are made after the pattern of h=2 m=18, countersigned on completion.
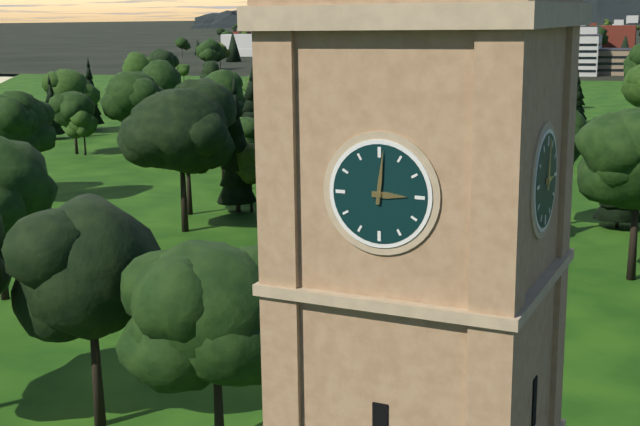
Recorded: h=3 m=1
